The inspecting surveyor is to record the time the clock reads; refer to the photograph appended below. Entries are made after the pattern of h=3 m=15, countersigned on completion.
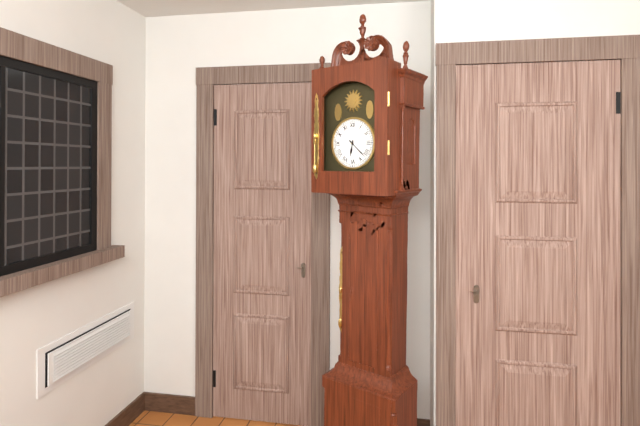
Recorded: h=6 m=22
